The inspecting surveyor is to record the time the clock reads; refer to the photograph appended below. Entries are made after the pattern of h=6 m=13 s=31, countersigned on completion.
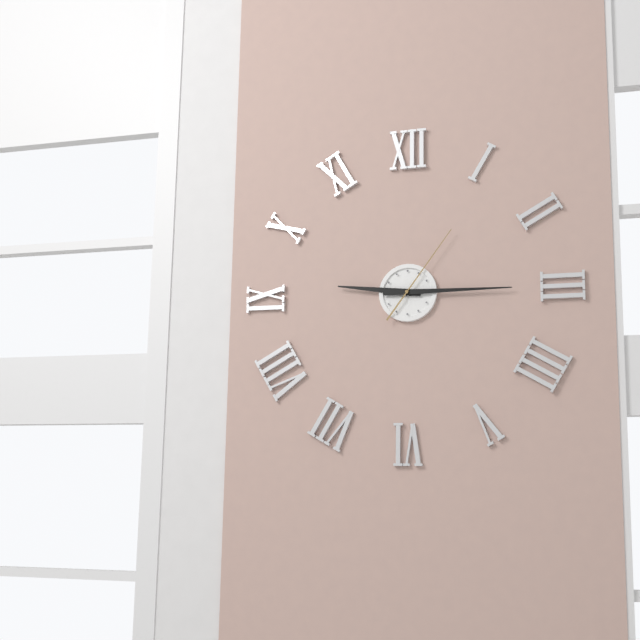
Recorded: h=9 m=15 s=6
